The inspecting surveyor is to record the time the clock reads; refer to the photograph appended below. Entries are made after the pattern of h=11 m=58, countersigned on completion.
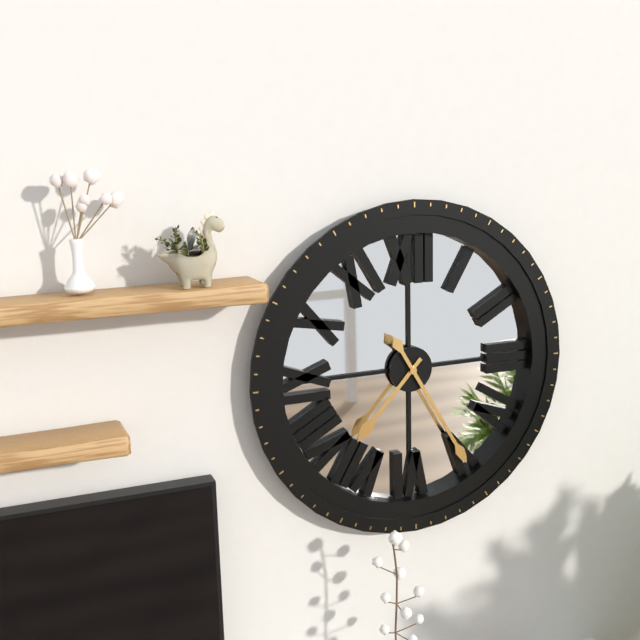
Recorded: h=7 m=25
